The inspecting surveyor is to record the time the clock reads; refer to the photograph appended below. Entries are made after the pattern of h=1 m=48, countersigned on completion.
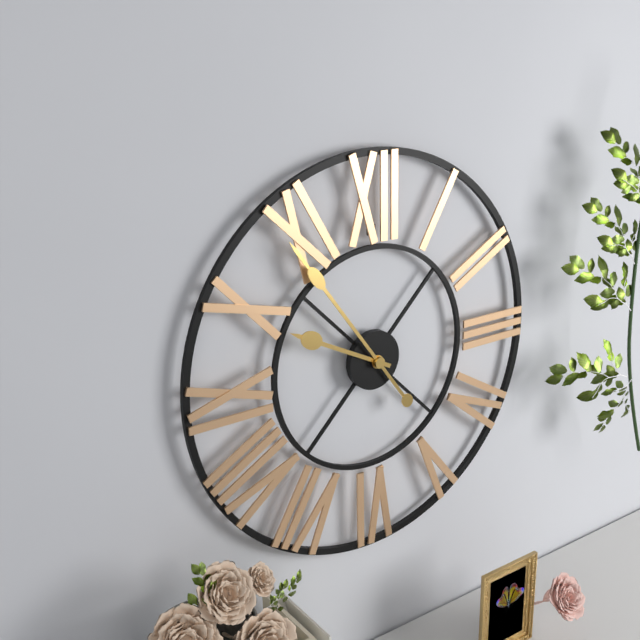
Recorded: h=9 m=54
